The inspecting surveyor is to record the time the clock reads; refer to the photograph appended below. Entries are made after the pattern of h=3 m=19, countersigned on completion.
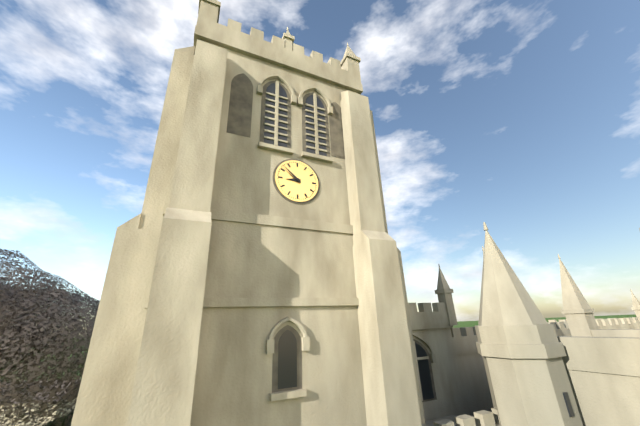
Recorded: h=8 m=52
